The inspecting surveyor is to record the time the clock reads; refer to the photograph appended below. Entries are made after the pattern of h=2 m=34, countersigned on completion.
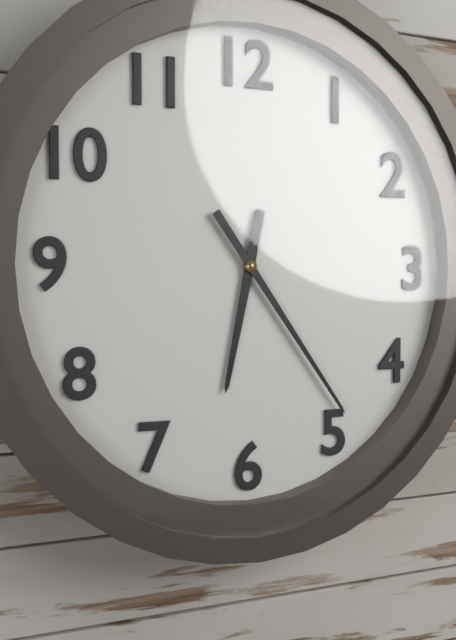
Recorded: h=6 m=24
